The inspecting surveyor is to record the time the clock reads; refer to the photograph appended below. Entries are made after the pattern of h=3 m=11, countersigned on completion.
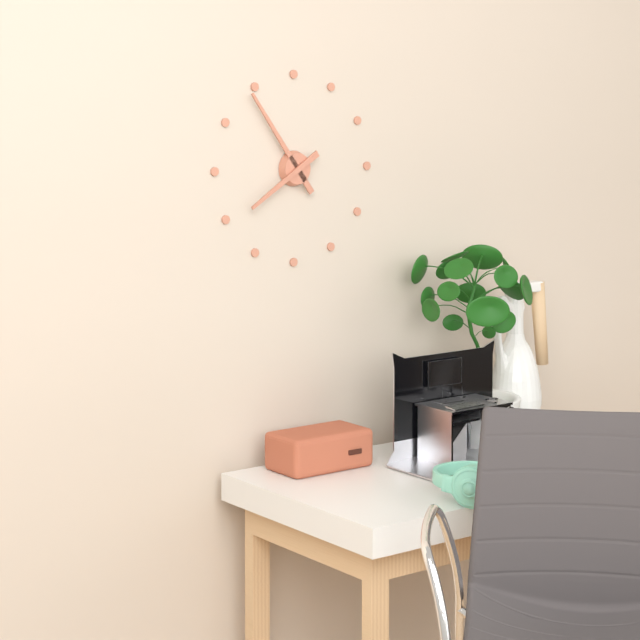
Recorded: h=7 m=54
